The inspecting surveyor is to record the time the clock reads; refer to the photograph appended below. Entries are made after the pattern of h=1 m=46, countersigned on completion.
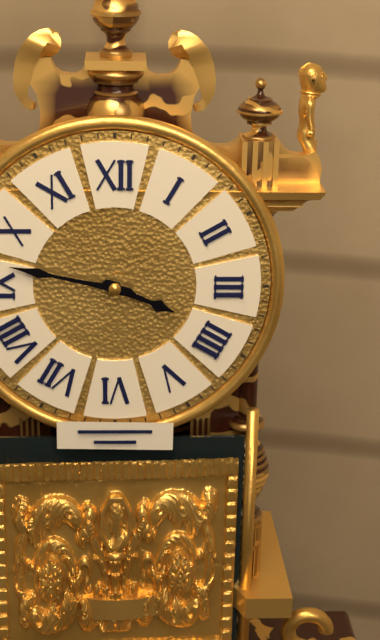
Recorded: h=3 m=47
